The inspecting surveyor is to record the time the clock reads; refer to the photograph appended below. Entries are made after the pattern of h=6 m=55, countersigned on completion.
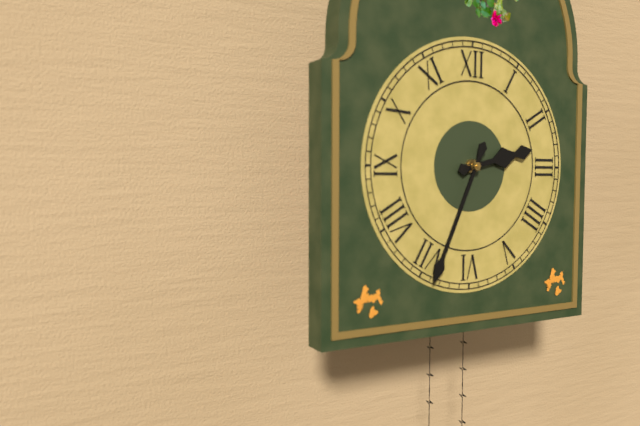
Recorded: h=2 m=34
